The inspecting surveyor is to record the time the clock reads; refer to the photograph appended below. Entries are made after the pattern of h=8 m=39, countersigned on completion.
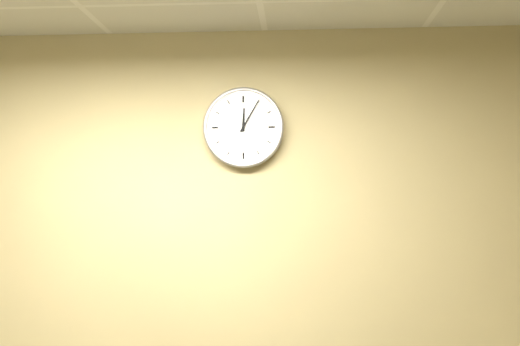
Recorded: h=12 m=5
